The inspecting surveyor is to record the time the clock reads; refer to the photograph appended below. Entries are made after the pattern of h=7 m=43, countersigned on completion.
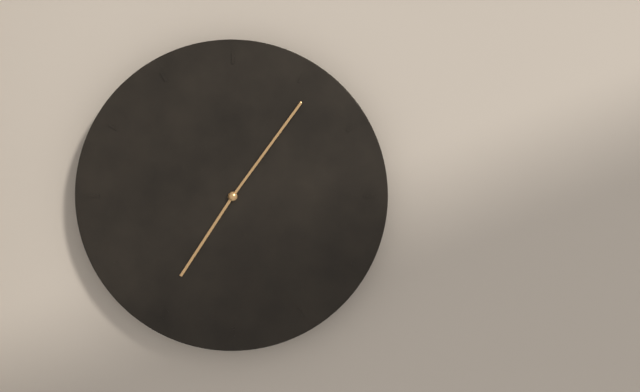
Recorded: h=7 m=6
